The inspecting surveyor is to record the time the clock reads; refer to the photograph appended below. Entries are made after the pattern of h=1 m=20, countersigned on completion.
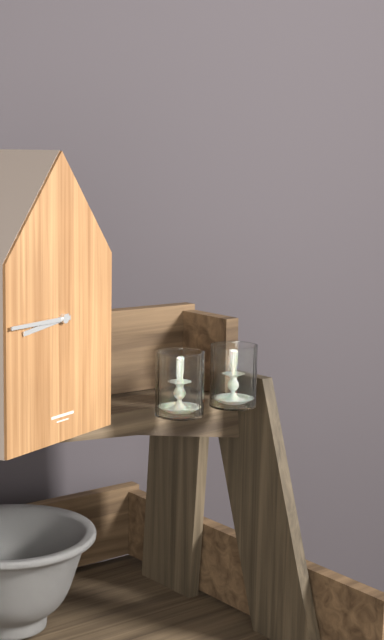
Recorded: h=8 m=45
